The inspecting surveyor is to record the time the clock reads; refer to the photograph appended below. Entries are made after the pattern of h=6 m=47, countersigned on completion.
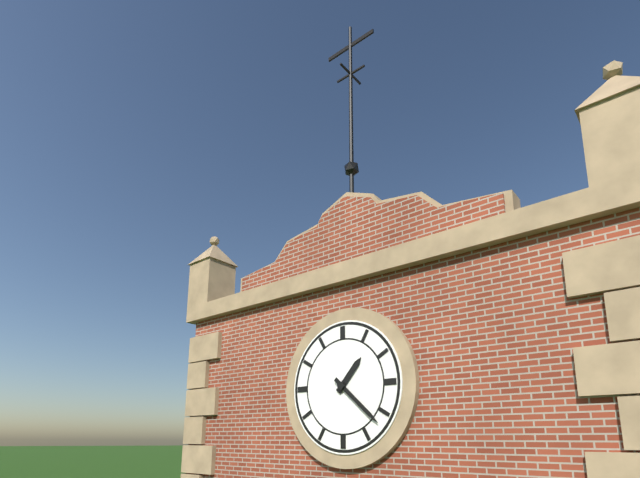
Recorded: h=1 m=22
